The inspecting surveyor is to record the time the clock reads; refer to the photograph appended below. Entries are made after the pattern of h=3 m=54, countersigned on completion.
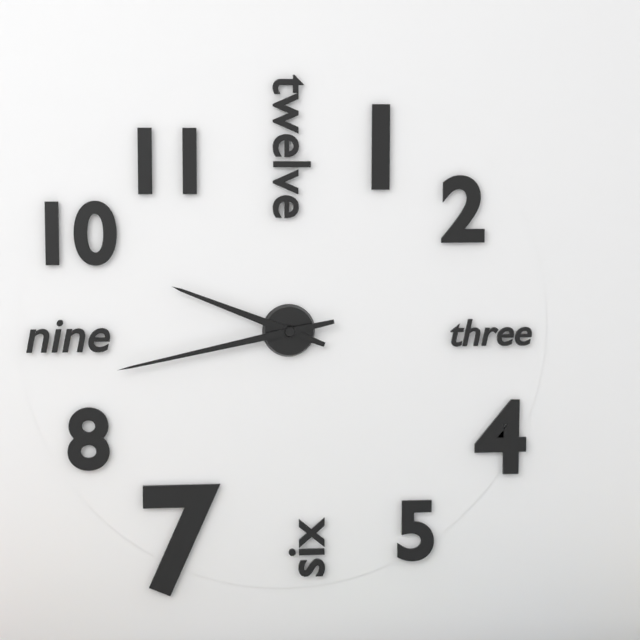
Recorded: h=9 m=43
